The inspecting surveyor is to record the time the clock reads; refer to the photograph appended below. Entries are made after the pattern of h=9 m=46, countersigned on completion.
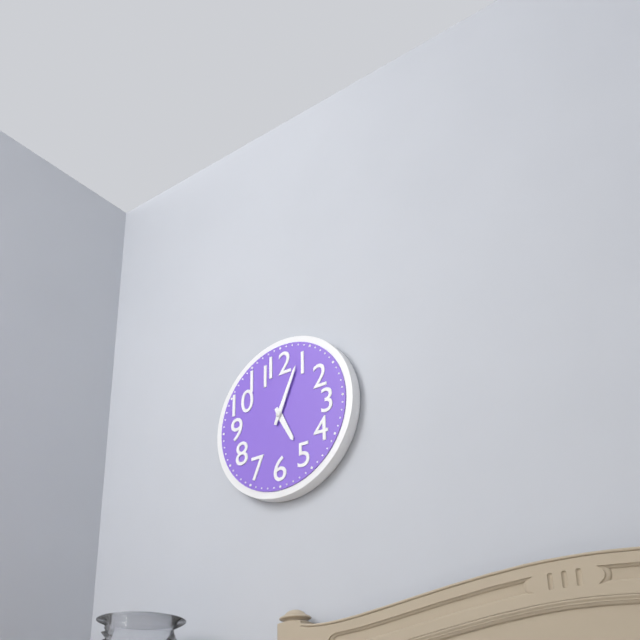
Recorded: h=5 m=4
